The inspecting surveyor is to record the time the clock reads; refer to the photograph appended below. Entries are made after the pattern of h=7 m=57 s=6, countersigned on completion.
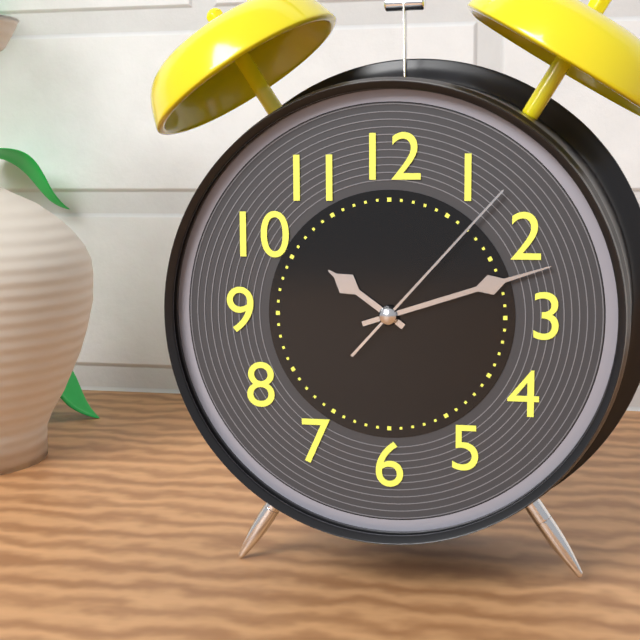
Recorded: h=10 m=12 s=7
